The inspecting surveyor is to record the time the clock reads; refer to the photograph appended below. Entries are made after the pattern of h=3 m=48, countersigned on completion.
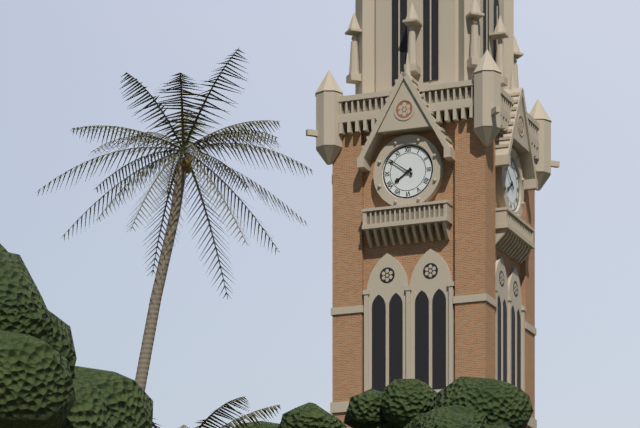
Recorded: h=7 m=51
